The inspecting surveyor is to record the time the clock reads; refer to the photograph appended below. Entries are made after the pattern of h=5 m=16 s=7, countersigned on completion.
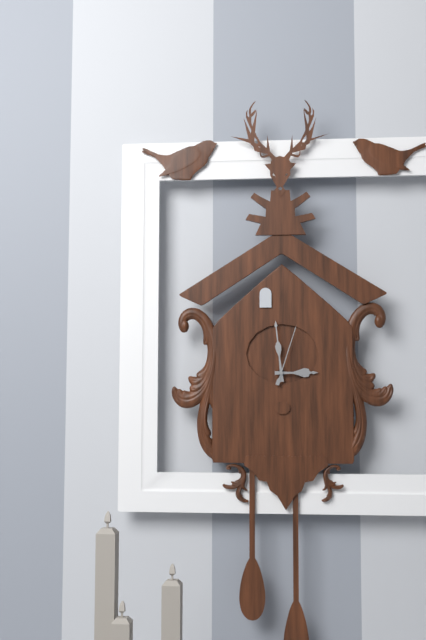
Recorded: h=2 m=59 s=3
